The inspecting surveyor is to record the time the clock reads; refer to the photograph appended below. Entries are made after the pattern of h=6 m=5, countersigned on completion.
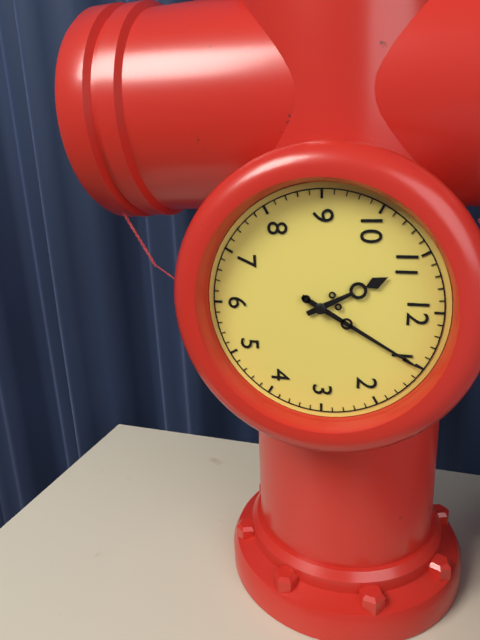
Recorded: h=11 m=5
